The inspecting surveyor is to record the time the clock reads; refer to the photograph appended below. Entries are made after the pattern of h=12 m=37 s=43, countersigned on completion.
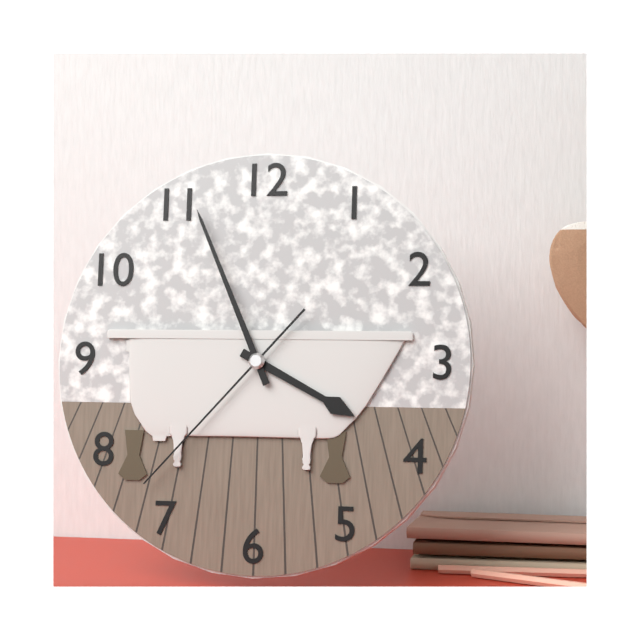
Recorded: h=3 m=56 s=37
